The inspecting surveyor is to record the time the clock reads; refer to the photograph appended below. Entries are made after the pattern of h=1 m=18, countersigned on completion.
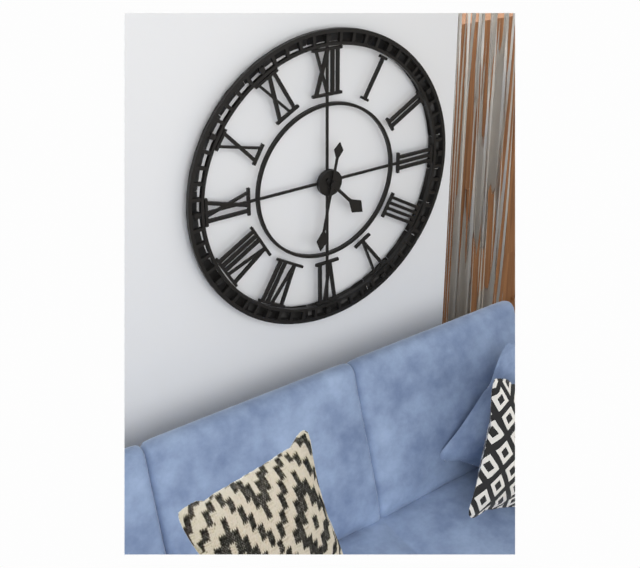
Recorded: h=4 m=32
